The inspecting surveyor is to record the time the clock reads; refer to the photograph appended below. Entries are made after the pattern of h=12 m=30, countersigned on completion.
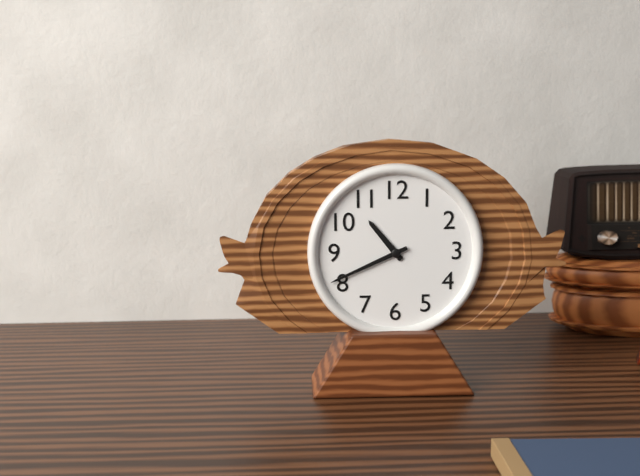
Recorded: h=10 m=41
